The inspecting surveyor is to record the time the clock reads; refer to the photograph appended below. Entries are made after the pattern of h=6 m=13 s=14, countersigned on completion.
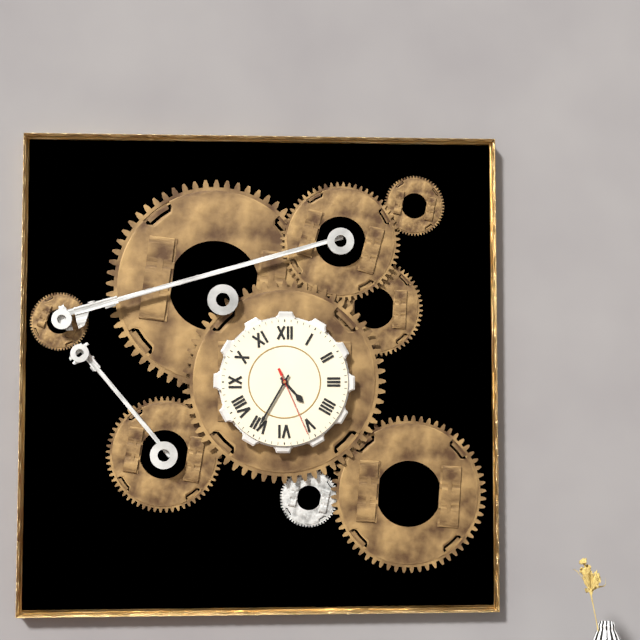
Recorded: h=4 m=35 s=26
